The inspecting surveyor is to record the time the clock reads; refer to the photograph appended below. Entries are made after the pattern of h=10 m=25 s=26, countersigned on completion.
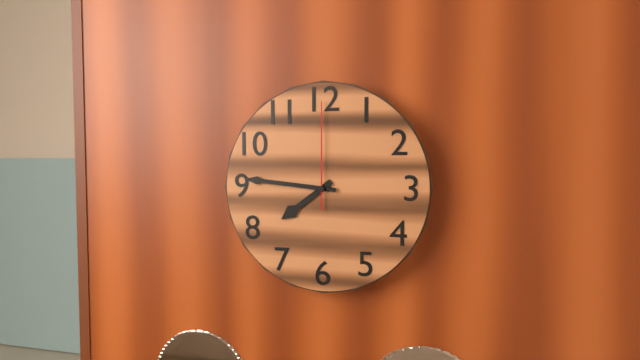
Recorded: h=7 m=46 s=0
